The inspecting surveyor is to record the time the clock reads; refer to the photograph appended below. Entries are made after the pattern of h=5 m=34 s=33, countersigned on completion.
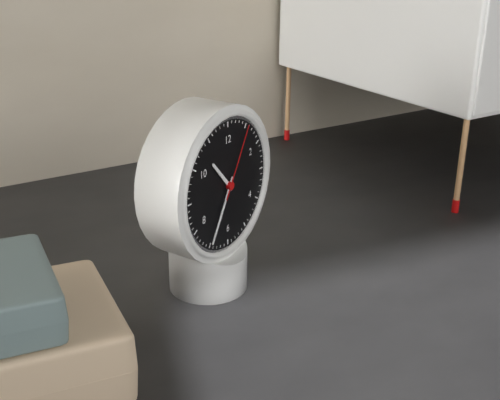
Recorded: h=10 m=35 s=5
